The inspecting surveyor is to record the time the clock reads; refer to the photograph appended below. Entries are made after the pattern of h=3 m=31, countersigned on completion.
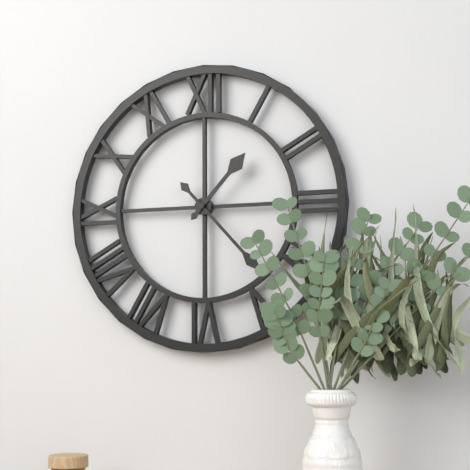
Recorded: h=1 m=23
